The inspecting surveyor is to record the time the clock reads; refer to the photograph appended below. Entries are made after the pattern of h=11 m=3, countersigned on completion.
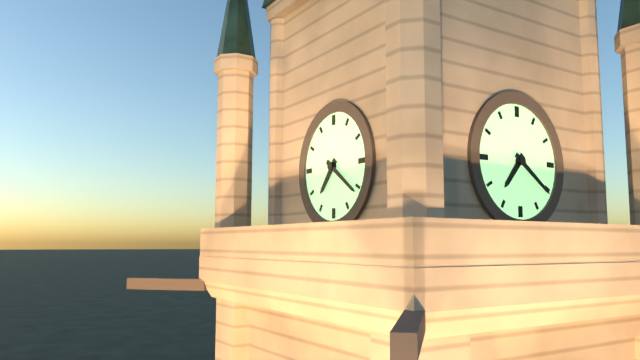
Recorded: h=7 m=21
